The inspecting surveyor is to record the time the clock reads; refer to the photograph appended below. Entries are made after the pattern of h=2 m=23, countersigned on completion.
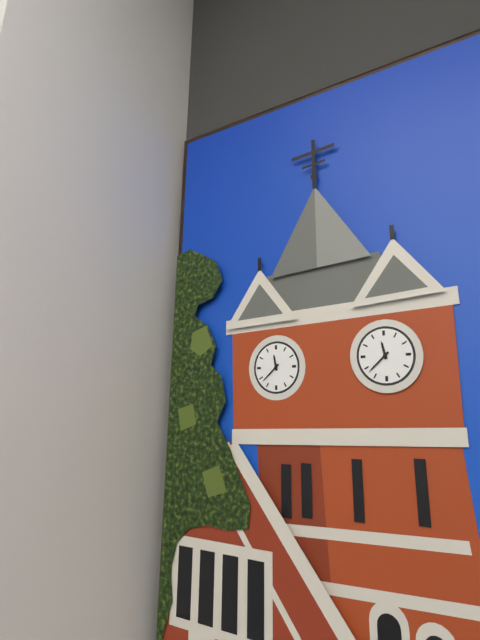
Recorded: h=11 m=38
